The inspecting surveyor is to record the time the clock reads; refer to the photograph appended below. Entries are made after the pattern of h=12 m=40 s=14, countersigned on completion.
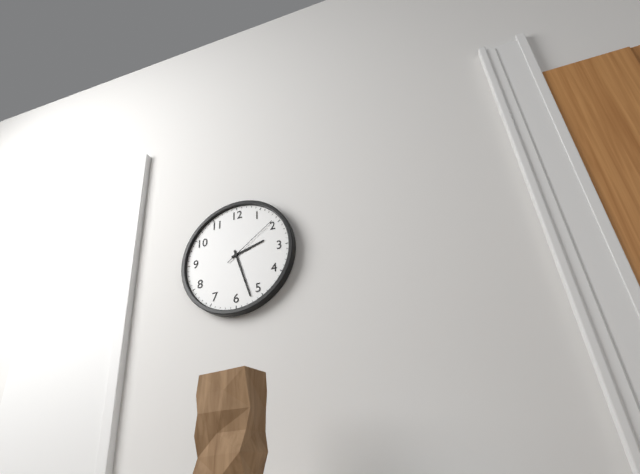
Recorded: h=2 m=27 s=9
